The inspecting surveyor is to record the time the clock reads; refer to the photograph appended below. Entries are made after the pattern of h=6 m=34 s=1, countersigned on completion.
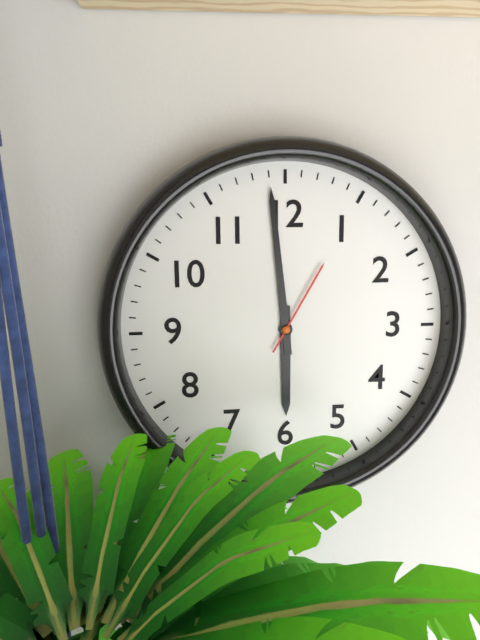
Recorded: h=5 m=59 s=5
